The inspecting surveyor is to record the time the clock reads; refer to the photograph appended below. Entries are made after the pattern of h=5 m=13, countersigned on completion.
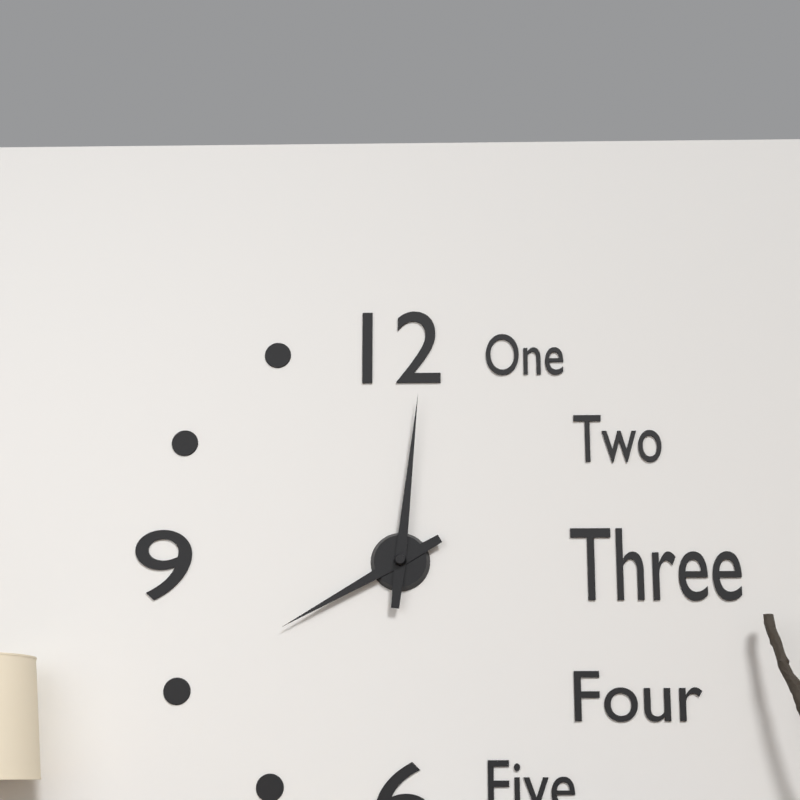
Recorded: h=8 m=1
